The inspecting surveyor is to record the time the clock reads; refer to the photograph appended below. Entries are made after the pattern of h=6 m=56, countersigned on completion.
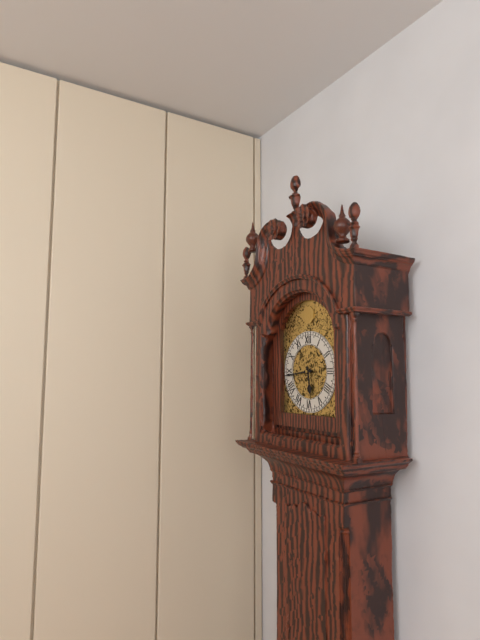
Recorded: h=5 m=44
